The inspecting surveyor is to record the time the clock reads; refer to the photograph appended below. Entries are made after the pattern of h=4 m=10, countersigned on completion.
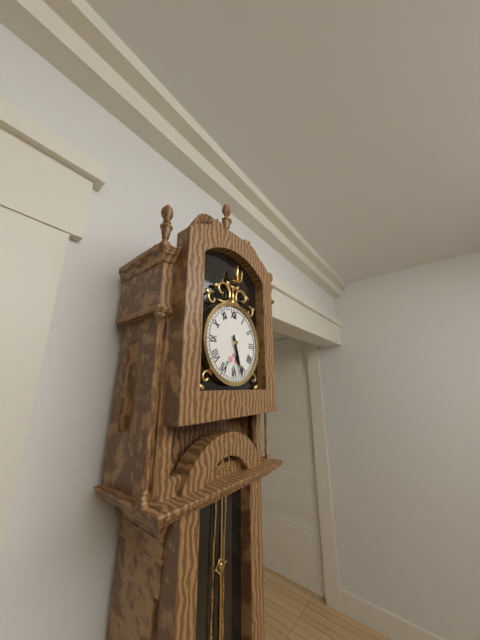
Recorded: h=5 m=27
